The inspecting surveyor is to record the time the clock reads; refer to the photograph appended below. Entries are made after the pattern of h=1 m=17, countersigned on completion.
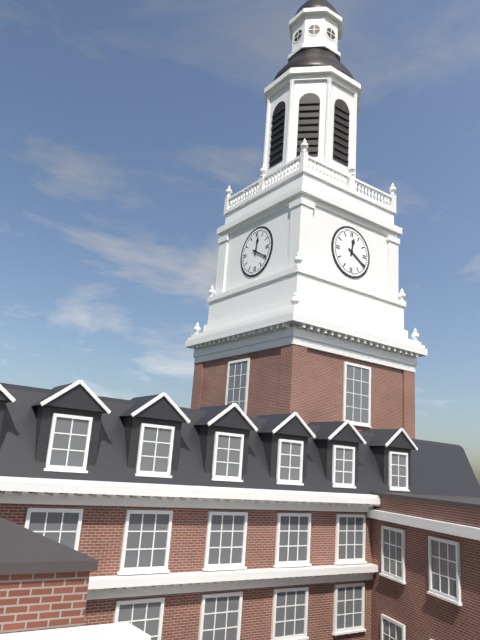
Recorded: h=12 m=20
